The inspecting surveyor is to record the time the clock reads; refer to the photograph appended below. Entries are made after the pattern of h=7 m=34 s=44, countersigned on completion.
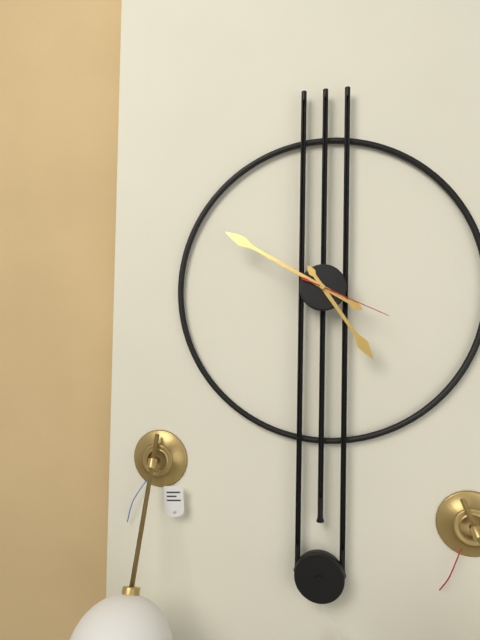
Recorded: h=4 m=50 s=19
